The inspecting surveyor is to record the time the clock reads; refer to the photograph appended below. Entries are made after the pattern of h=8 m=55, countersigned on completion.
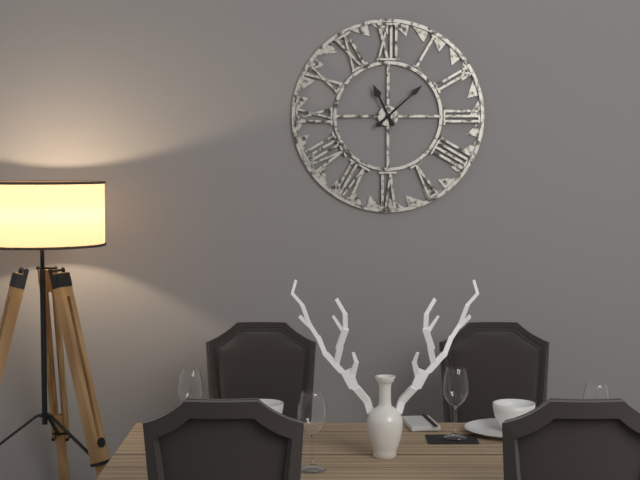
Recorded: h=11 m=8
